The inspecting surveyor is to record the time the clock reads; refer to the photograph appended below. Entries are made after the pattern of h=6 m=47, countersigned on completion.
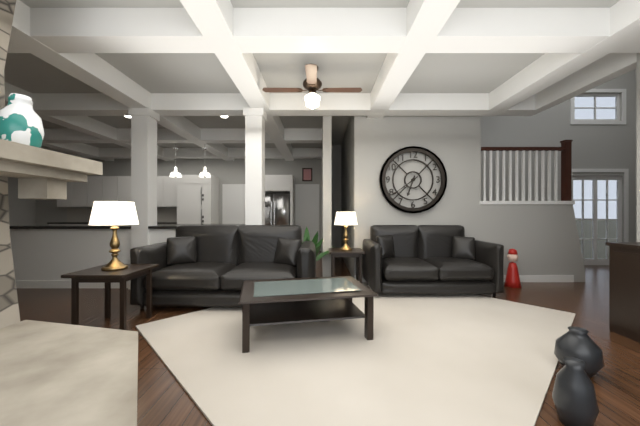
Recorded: h=6 m=39
